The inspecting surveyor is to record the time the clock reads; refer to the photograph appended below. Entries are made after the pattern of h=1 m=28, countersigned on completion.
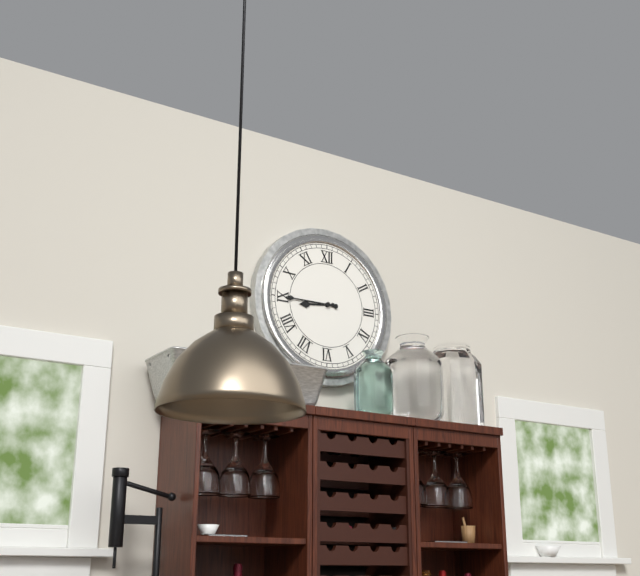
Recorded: h=8 m=45
